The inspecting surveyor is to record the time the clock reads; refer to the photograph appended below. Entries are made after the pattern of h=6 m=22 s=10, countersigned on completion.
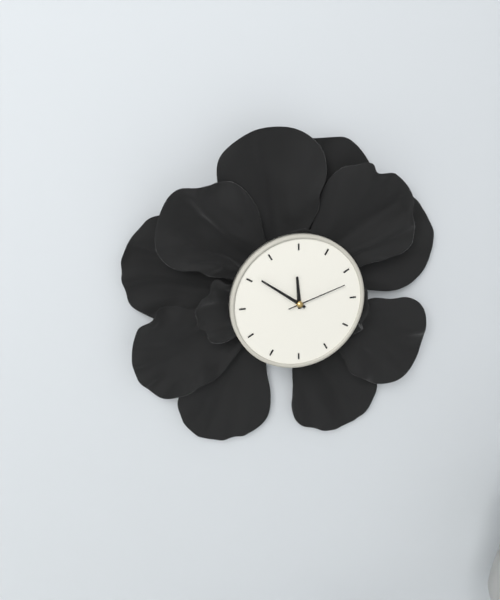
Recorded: h=11 m=51 s=12
